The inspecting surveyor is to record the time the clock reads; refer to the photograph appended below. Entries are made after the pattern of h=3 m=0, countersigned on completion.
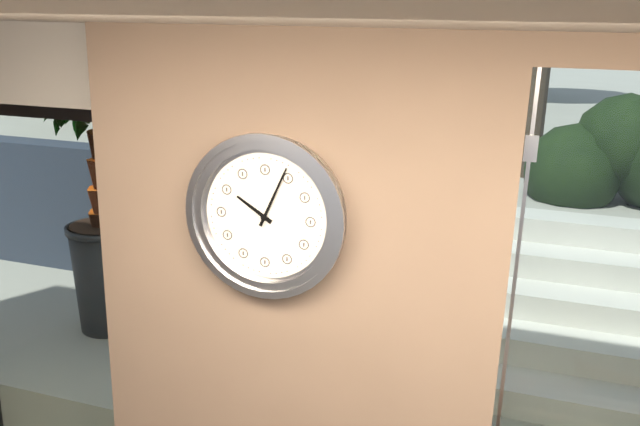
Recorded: h=10 m=4
